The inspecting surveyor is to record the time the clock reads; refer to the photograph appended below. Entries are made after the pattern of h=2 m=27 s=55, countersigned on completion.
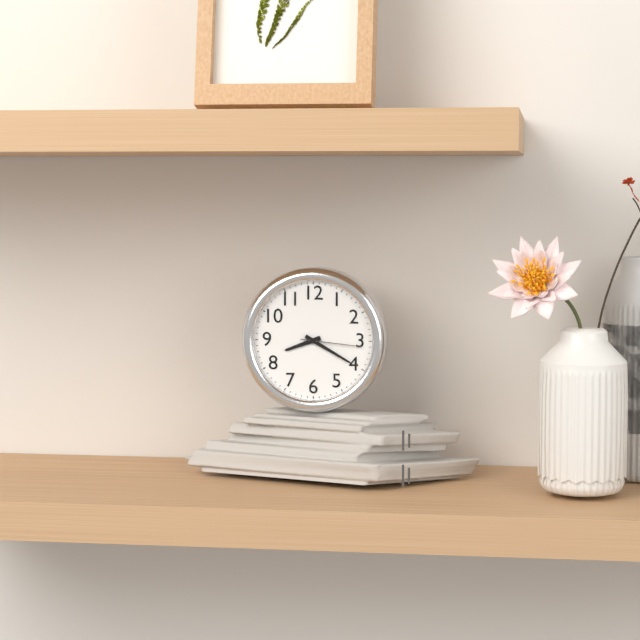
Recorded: h=8 m=20 s=16
